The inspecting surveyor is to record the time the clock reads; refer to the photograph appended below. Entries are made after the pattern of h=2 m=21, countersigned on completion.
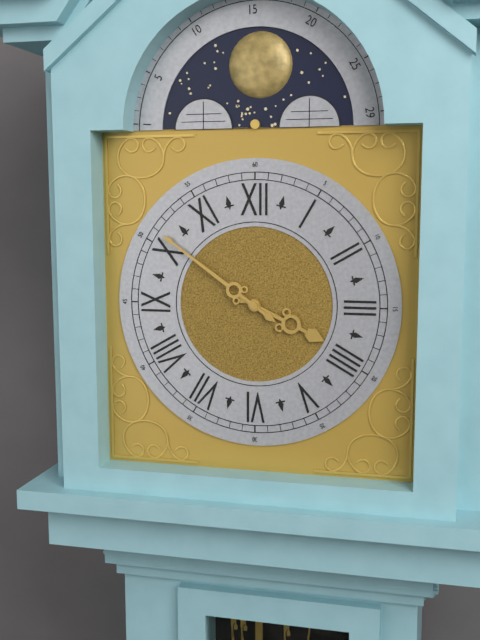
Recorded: h=3 m=51
